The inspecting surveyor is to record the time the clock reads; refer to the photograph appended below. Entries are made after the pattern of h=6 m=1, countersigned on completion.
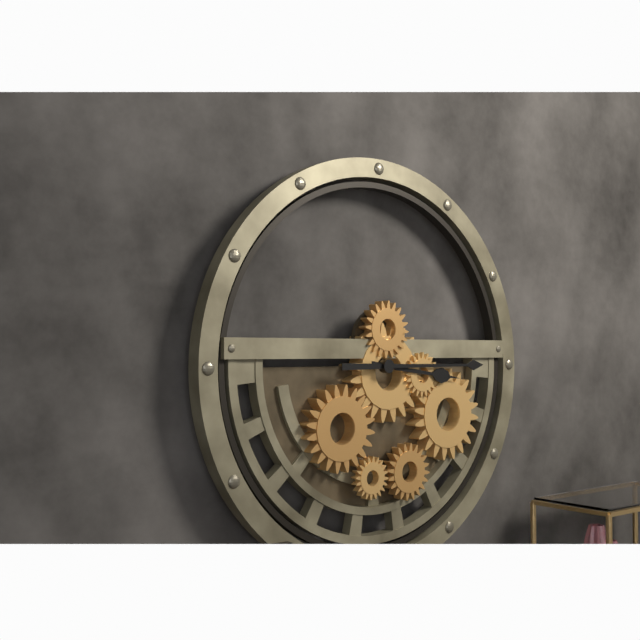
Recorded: h=3 m=15
